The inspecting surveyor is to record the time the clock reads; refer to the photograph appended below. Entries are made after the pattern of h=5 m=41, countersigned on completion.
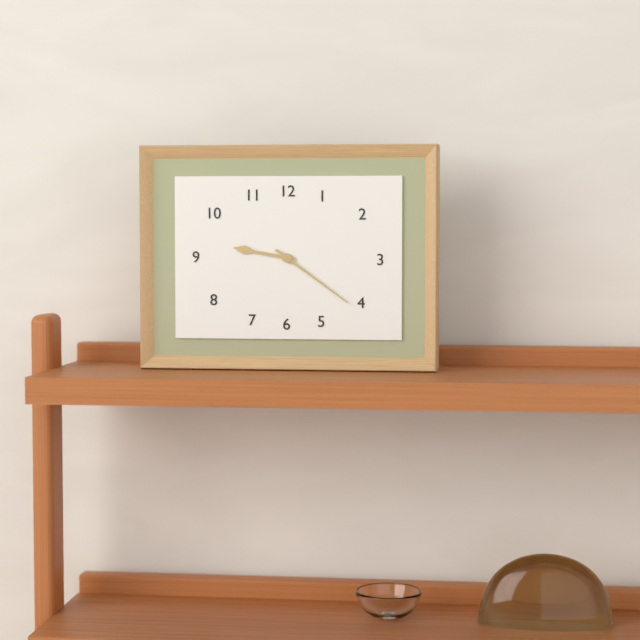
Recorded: h=9 m=21
